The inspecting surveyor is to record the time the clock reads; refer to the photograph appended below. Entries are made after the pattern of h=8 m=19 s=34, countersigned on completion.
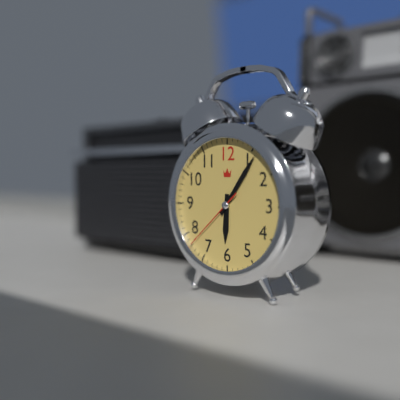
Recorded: h=6 m=6 s=38
